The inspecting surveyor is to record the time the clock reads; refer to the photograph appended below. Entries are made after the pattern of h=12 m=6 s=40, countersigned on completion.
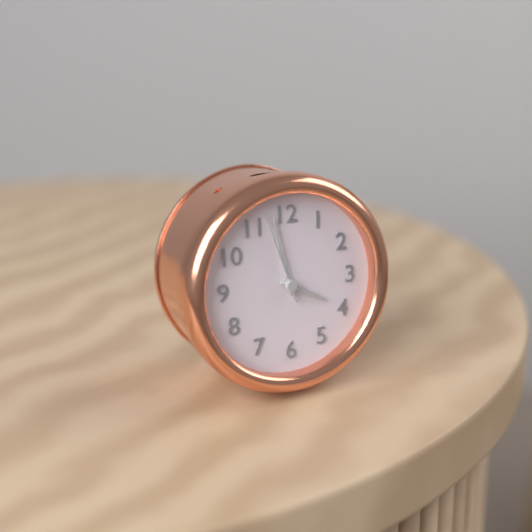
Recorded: h=3 m=58 s=57
